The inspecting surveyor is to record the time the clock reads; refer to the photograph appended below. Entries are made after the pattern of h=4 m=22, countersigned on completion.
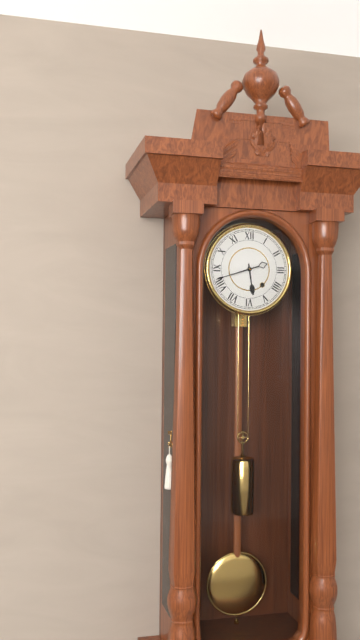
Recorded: h=5 m=42
